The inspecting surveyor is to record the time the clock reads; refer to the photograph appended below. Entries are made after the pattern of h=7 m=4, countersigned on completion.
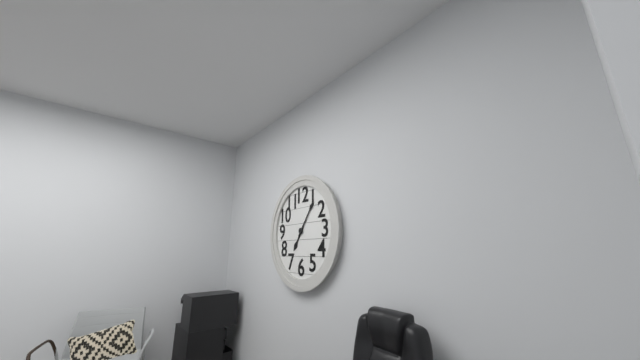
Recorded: h=7 m=6
